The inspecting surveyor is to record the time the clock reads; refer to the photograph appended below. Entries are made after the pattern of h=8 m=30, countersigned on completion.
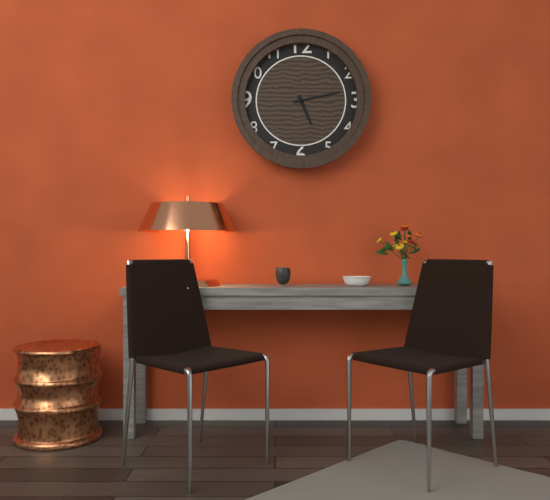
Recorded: h=5 m=13
